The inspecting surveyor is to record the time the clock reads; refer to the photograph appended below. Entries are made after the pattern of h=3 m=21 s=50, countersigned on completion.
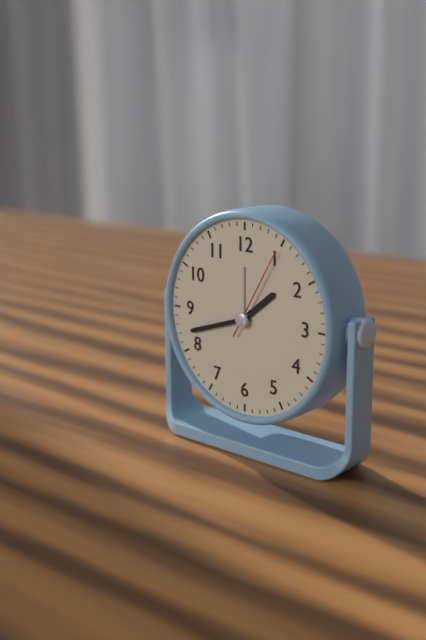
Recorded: h=1 m=42 s=5
